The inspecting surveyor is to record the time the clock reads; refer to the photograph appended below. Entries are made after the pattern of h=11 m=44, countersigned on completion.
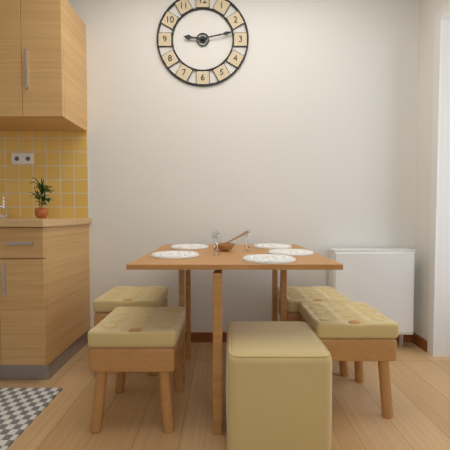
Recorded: h=9 m=13
